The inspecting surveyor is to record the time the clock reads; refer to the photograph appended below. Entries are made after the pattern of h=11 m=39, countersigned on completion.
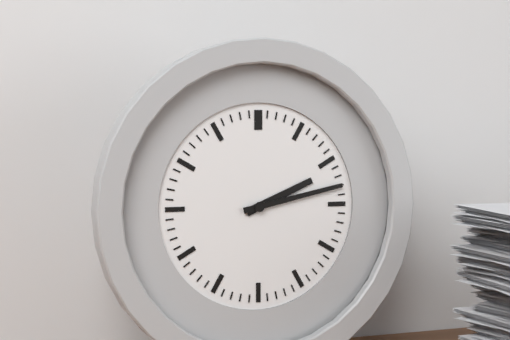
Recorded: h=2 m=13
